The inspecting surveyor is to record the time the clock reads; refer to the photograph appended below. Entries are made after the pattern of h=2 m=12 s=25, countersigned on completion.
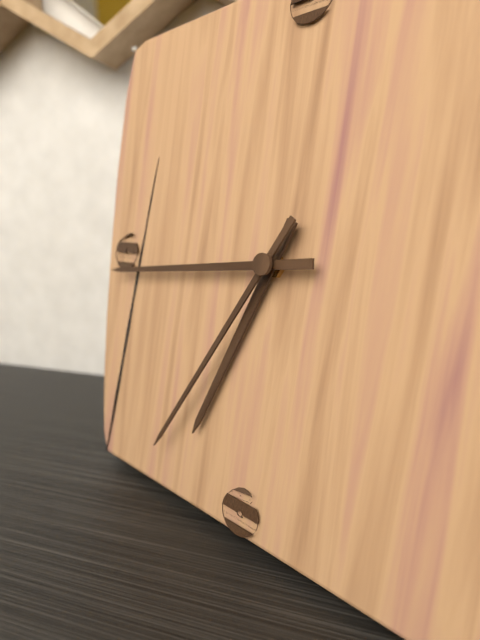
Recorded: h=6 m=44 s=35
